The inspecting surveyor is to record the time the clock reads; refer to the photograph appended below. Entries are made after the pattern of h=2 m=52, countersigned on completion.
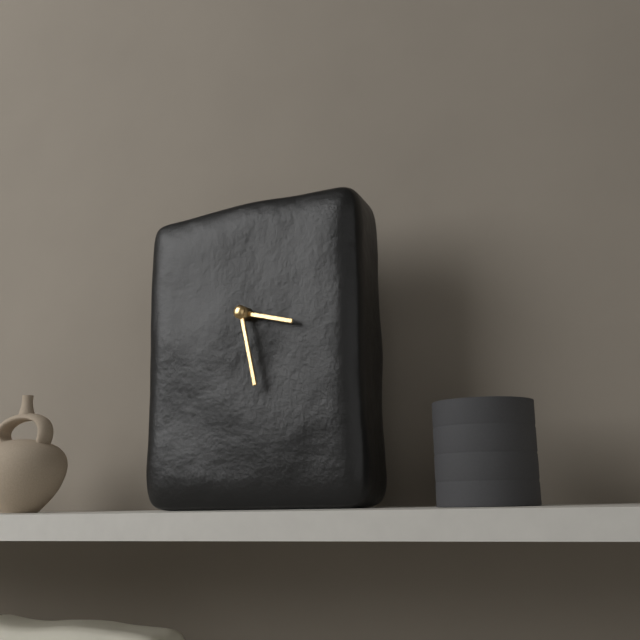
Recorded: h=3 m=28
